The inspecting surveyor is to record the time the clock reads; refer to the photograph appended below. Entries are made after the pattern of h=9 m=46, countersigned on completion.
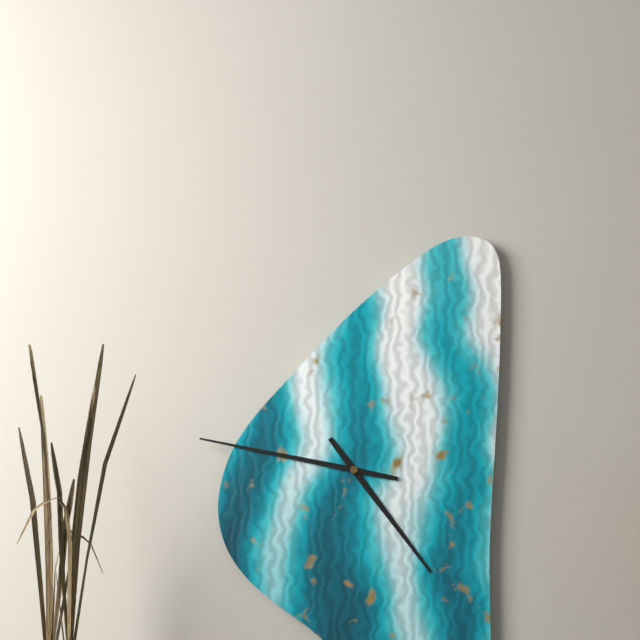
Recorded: h=4 m=47
